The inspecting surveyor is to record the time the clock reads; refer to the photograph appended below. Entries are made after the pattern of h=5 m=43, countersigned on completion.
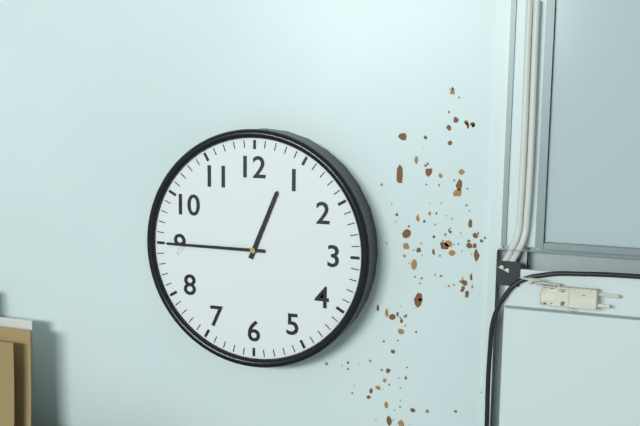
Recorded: h=12 m=45
